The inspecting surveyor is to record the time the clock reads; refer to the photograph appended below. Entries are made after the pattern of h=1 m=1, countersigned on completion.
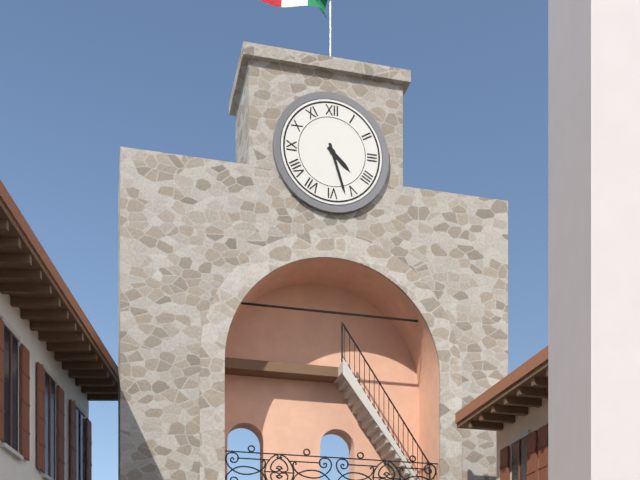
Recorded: h=4 m=27
